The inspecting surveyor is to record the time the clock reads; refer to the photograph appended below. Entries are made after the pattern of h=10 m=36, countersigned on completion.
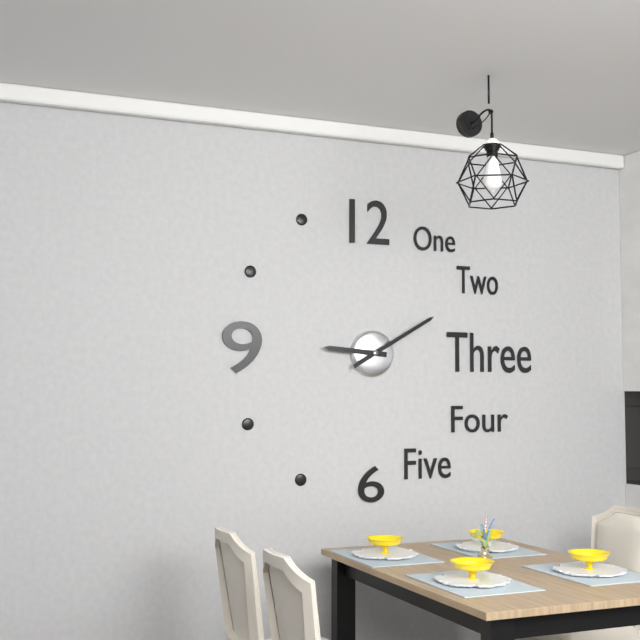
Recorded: h=9 m=10
